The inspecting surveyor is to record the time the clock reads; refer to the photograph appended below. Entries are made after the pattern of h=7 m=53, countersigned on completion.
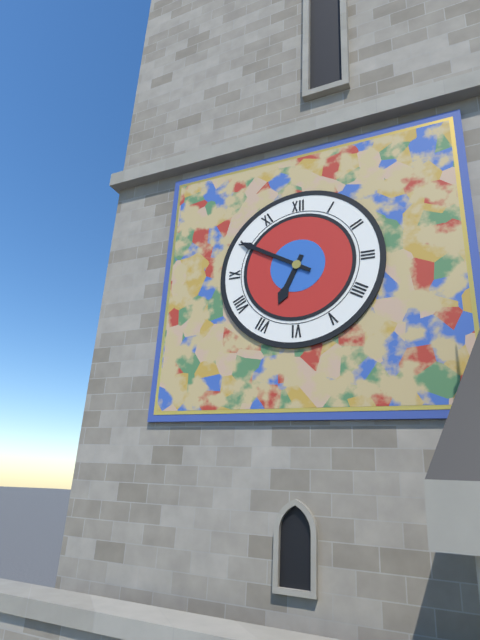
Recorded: h=6 m=50
